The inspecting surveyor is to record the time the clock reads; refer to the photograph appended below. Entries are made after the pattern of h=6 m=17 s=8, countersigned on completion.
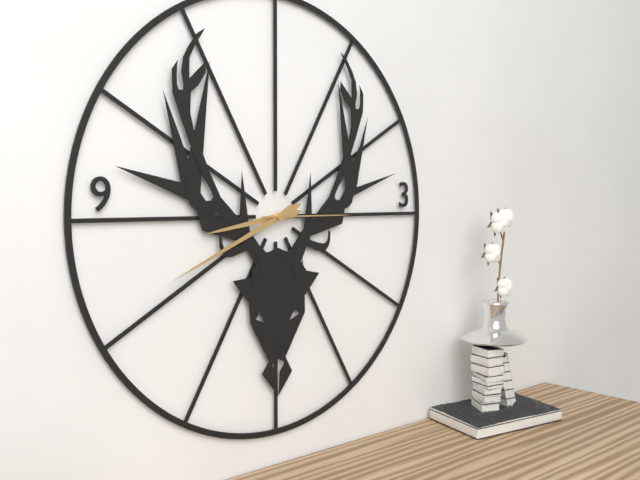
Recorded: h=8 m=41 s=15
